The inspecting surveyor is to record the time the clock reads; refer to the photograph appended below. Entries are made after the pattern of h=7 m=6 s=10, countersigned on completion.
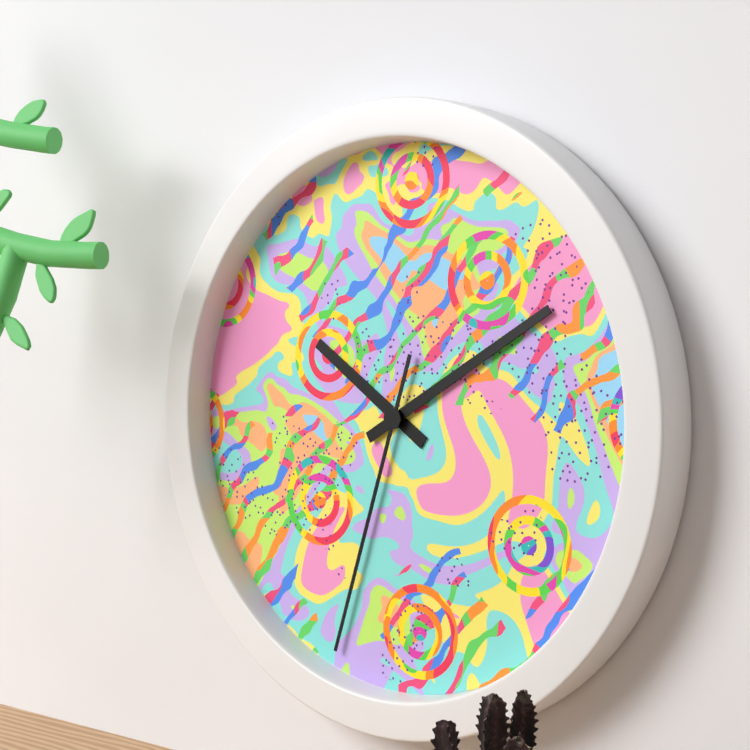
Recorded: h=10 m=10 s=33
